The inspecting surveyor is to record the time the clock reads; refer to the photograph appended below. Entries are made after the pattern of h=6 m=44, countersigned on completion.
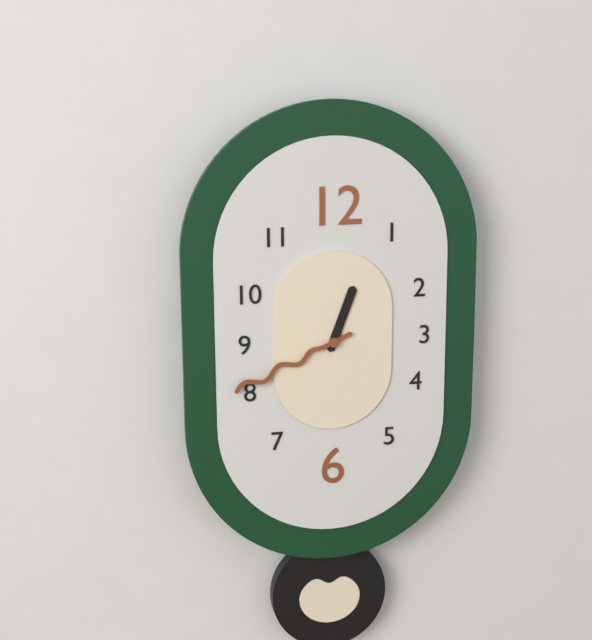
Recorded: h=12 m=41
